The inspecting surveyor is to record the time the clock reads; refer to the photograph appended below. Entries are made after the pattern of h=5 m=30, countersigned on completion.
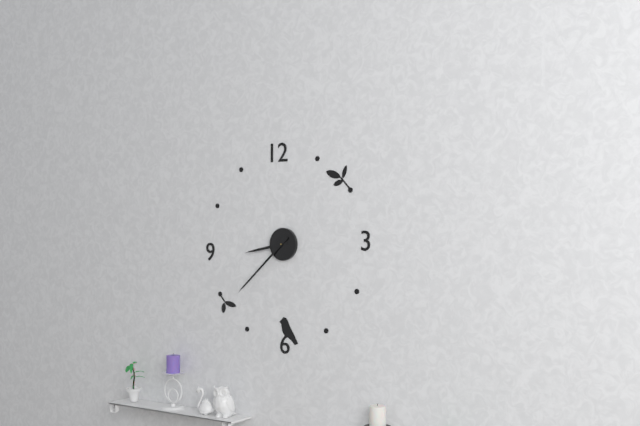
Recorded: h=8 m=38
